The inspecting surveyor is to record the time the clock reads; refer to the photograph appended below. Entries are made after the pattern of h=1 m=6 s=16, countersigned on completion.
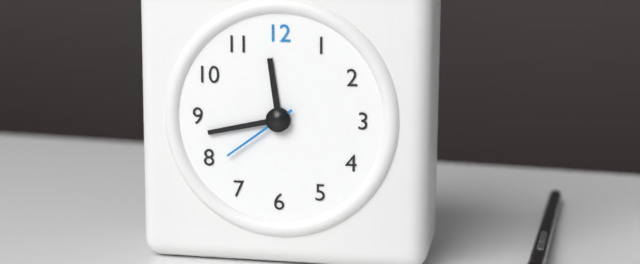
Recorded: h=11 m=43 s=39
